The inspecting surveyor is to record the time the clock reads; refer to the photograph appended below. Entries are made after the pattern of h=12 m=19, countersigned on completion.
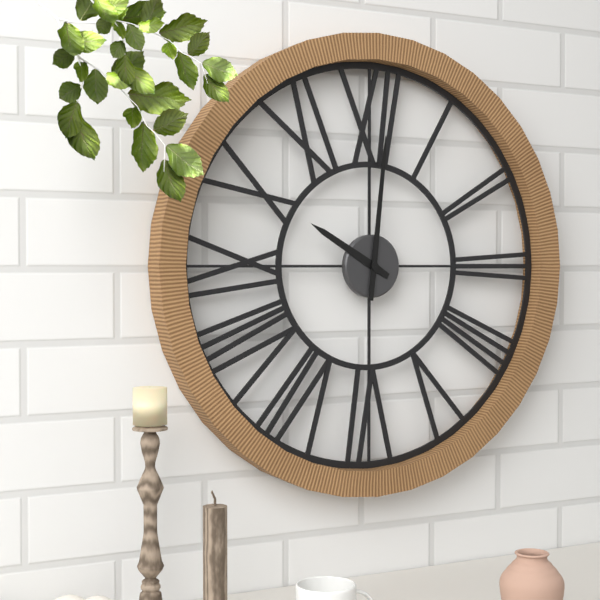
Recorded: h=10 m=1
